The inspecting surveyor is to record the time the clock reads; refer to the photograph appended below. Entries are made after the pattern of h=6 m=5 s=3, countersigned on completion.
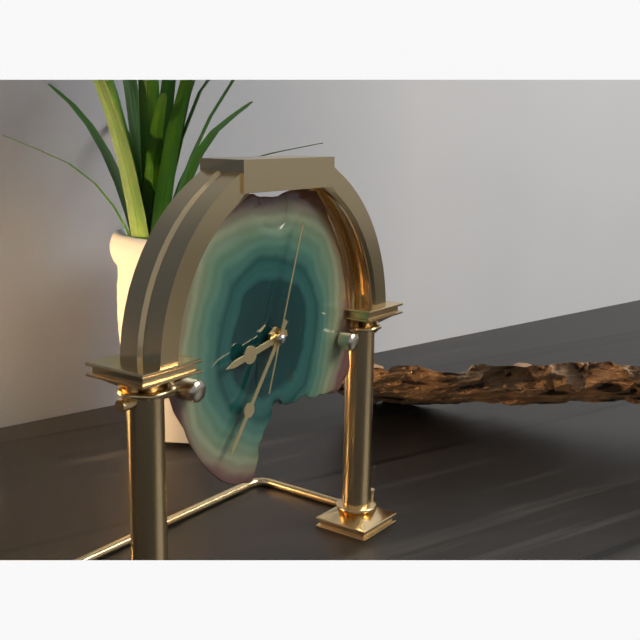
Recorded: h=8 m=36 s=3
